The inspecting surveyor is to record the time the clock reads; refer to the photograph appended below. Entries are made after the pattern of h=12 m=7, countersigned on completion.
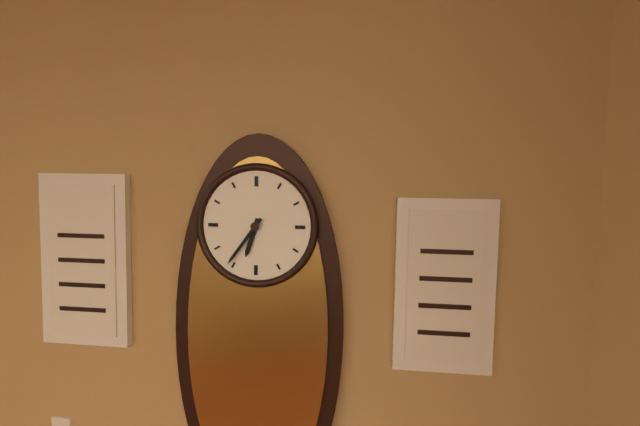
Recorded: h=6 m=36
